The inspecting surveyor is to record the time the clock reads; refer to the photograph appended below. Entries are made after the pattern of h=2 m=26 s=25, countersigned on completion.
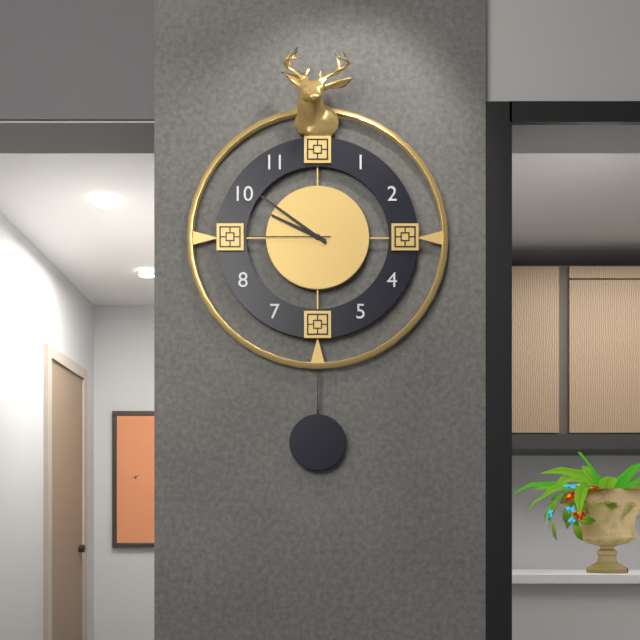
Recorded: h=9 m=51 s=45
